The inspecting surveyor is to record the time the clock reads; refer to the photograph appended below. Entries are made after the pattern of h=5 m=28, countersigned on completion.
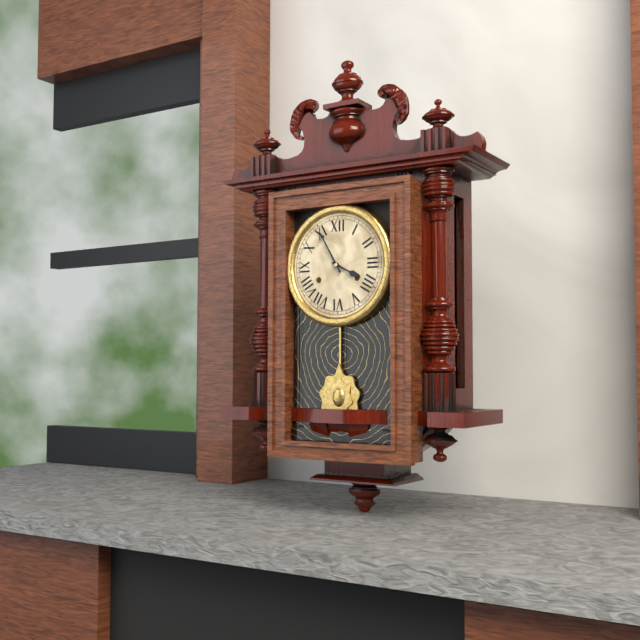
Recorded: h=3 m=55
